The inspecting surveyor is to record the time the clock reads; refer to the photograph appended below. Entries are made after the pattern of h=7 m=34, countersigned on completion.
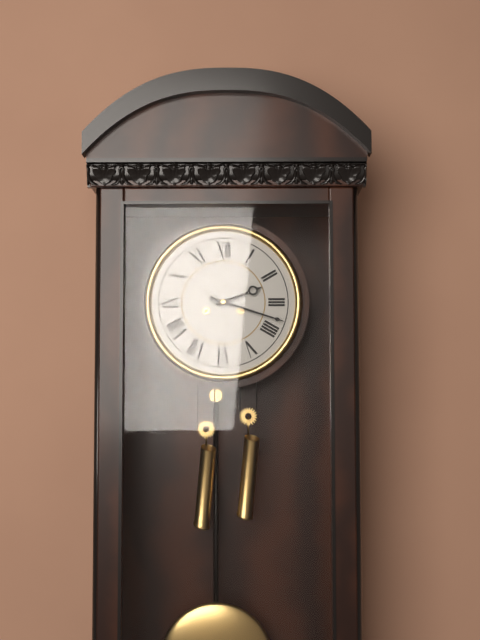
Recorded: h=2 m=18
